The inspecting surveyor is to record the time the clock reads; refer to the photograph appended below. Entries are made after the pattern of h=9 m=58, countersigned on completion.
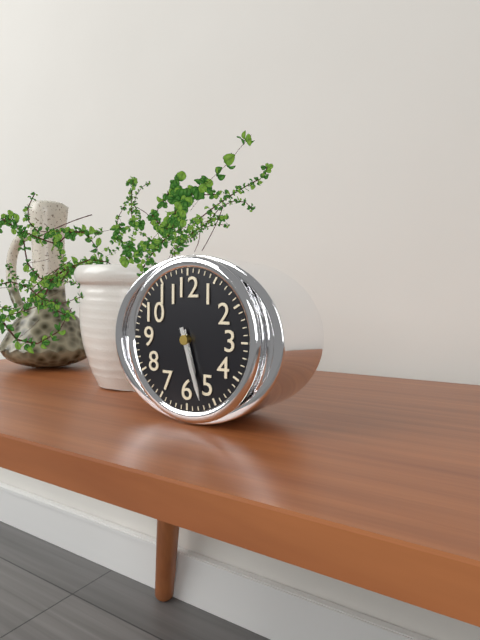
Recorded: h=5 m=27
